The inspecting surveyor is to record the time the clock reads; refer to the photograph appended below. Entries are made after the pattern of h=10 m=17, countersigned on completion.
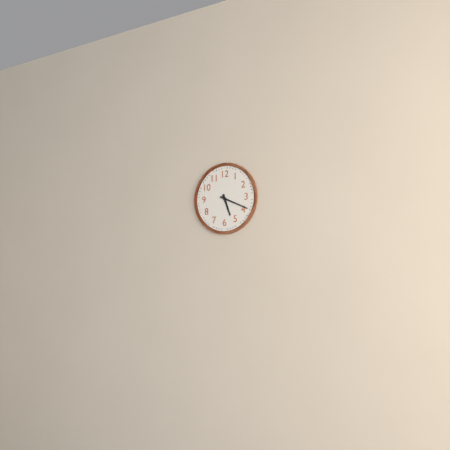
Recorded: h=5 m=19
